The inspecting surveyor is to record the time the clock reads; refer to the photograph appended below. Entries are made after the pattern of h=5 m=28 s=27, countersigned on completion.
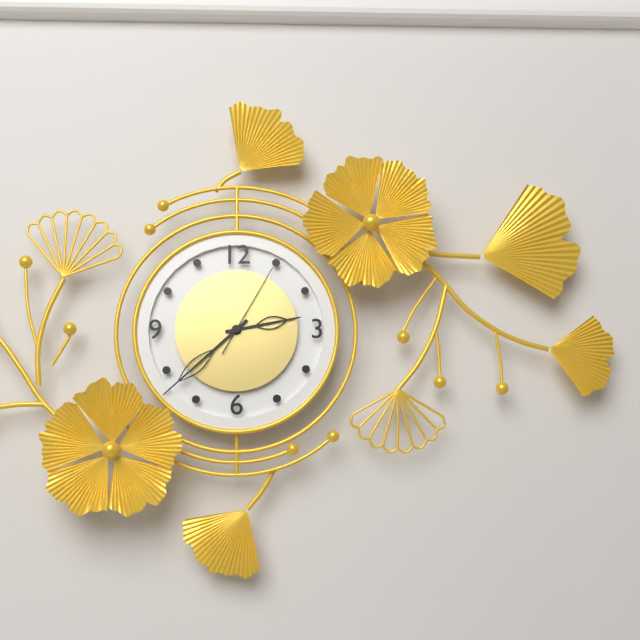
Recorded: h=2 m=38 s=5
